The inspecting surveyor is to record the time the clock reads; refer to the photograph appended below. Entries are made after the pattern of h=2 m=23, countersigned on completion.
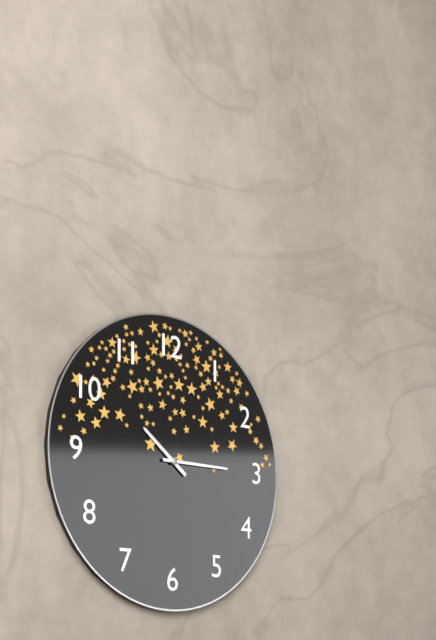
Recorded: h=10 m=15
